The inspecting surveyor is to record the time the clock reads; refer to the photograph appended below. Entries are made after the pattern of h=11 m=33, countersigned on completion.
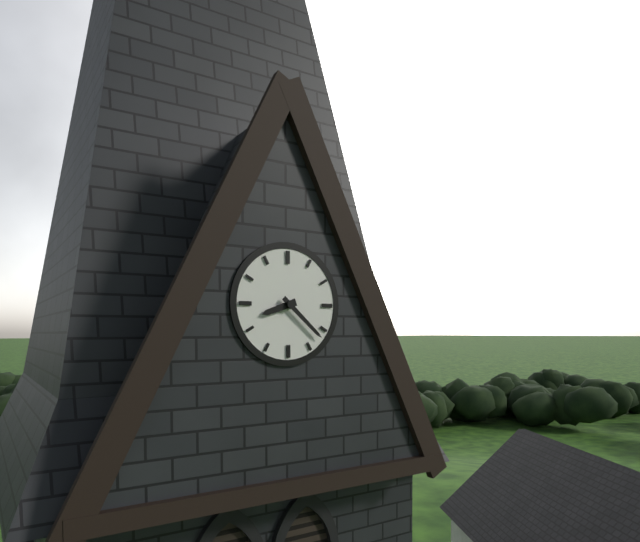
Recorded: h=8 m=22
